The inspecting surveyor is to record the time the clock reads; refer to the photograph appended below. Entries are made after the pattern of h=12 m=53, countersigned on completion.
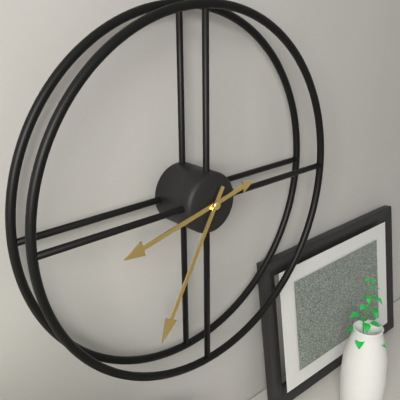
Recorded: h=8 m=35
